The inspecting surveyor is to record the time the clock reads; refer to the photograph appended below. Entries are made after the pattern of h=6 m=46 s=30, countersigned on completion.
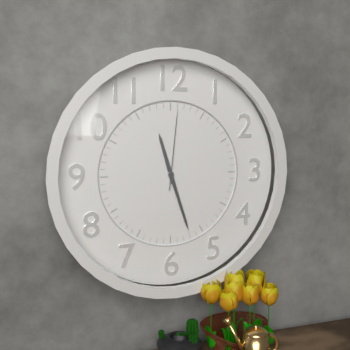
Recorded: h=11 m=27 s=1
